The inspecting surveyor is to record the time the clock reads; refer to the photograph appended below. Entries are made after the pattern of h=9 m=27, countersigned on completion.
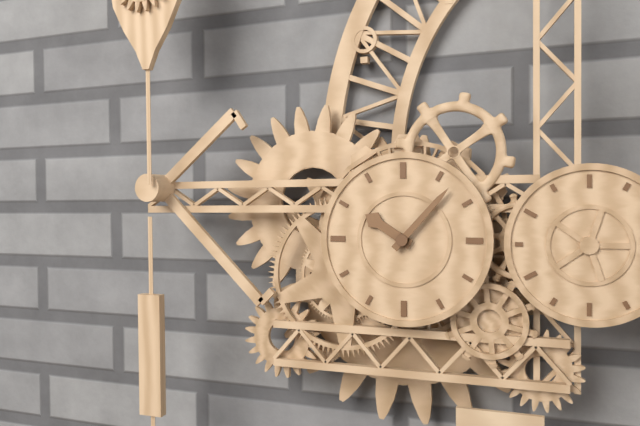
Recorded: h=10 m=7
